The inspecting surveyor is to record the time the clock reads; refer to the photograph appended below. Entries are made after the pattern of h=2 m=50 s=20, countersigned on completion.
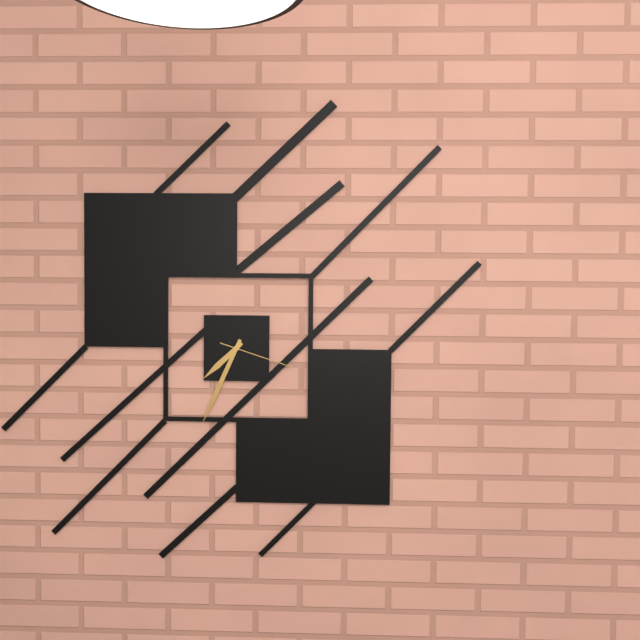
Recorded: h=7 m=34 s=18
